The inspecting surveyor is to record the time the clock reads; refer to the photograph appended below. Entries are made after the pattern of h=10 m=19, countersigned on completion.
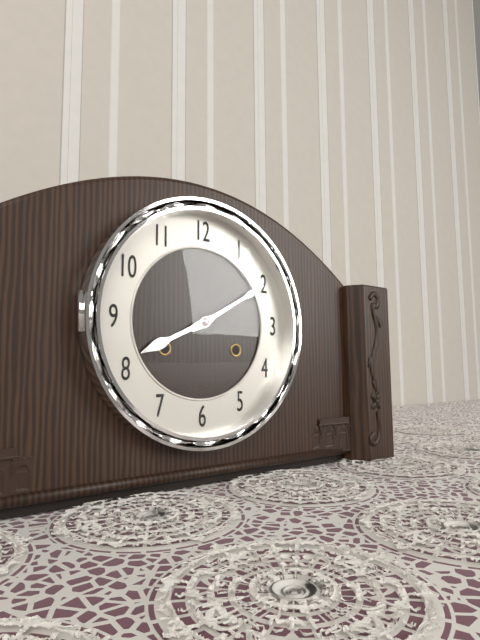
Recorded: h=8 m=10
